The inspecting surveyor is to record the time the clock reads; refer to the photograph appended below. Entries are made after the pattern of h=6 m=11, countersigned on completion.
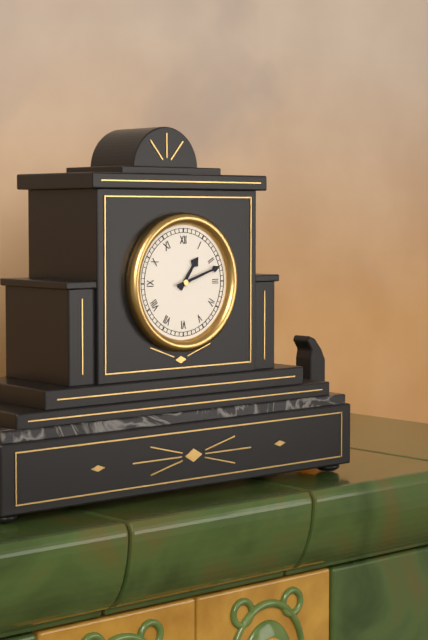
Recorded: h=1 m=12
